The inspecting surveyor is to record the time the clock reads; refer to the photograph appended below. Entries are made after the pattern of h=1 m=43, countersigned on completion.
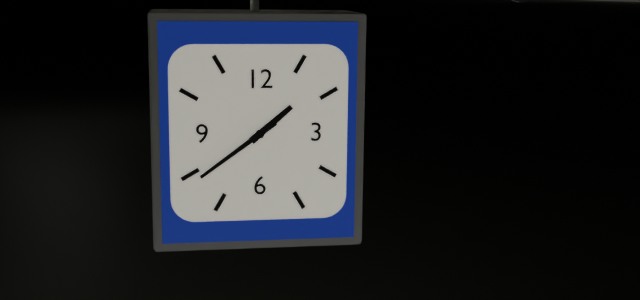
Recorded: h=1 m=39
